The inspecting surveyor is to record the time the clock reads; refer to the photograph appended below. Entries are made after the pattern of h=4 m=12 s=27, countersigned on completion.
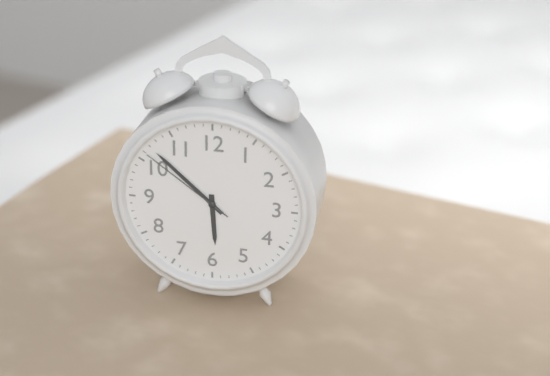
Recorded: h=5 m=52 s=51
